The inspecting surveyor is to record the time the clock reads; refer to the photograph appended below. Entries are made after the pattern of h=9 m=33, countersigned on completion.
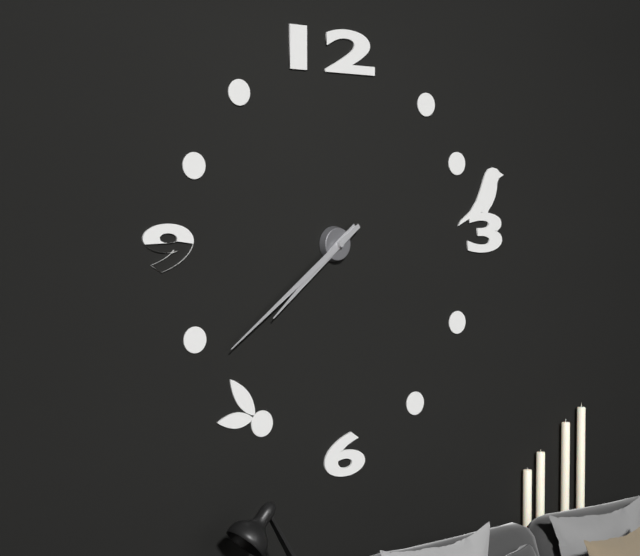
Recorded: h=7 m=39
